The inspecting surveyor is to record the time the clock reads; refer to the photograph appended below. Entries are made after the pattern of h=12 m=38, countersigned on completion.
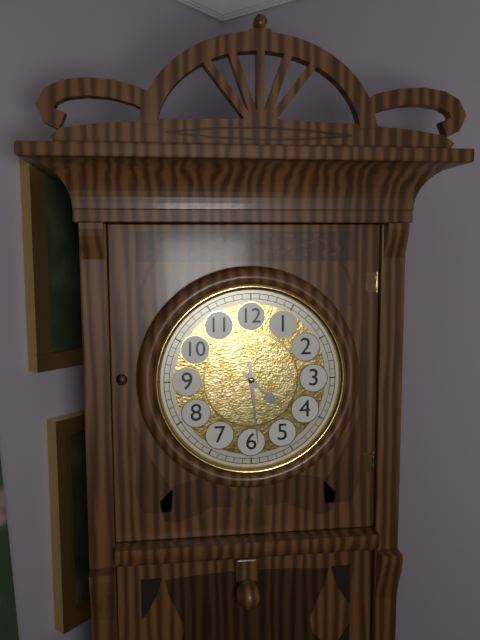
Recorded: h=4 m=29
